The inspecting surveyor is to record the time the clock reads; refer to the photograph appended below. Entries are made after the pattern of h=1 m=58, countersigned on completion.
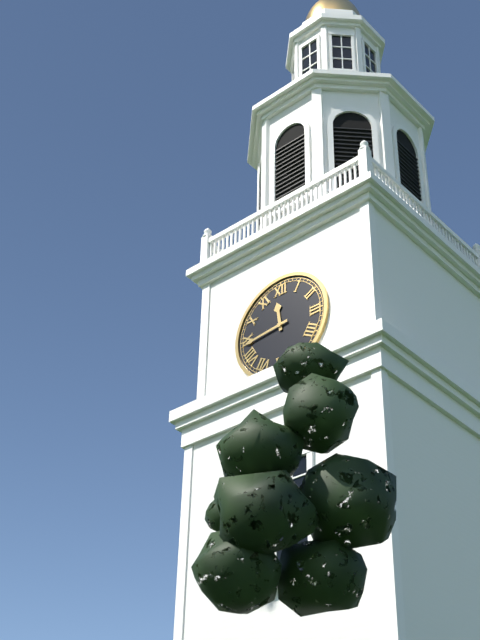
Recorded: h=11 m=44
